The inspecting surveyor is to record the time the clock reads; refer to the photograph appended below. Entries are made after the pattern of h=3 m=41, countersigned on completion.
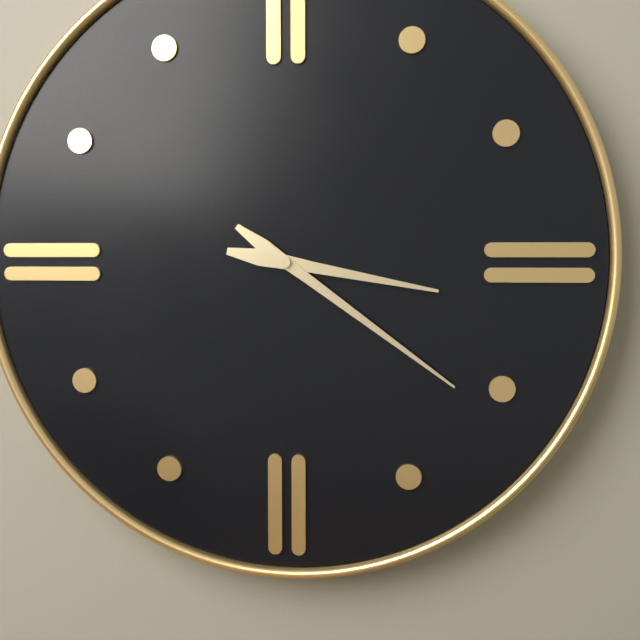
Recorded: h=3 m=21
